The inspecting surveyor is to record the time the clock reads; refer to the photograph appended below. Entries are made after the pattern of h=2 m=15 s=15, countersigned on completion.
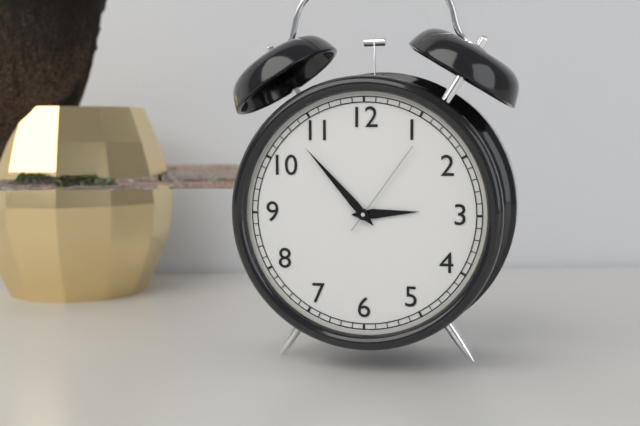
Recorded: h=2 m=53 s=6
